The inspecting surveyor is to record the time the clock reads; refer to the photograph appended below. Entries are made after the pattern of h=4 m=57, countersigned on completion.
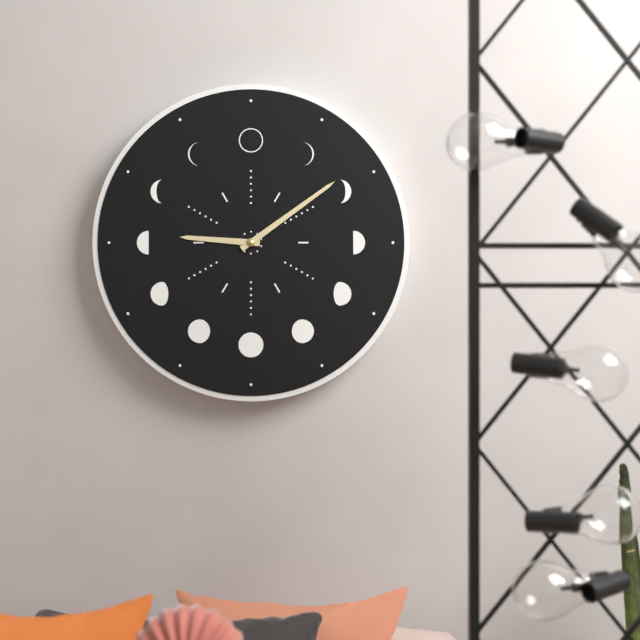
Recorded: h=9 m=9
